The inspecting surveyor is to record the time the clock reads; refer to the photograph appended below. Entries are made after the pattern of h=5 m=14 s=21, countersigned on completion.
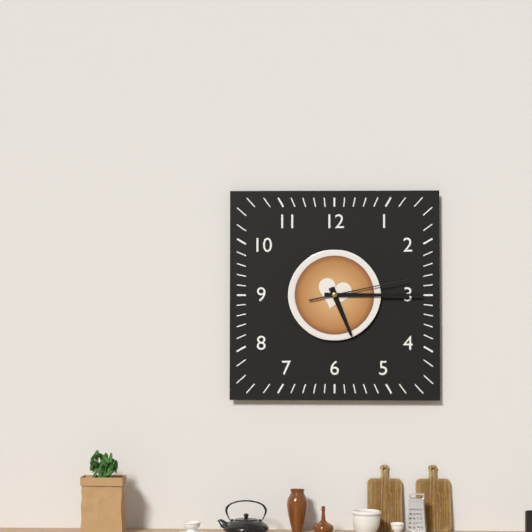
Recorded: h=5 m=15 s=13
